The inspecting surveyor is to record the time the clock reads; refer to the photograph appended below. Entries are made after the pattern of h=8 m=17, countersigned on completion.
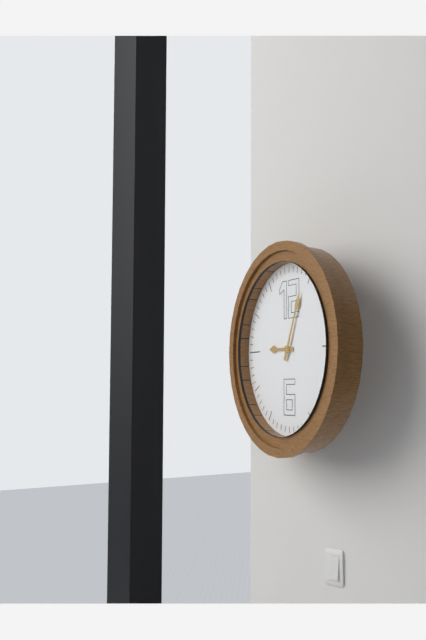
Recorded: h=9 m=4
